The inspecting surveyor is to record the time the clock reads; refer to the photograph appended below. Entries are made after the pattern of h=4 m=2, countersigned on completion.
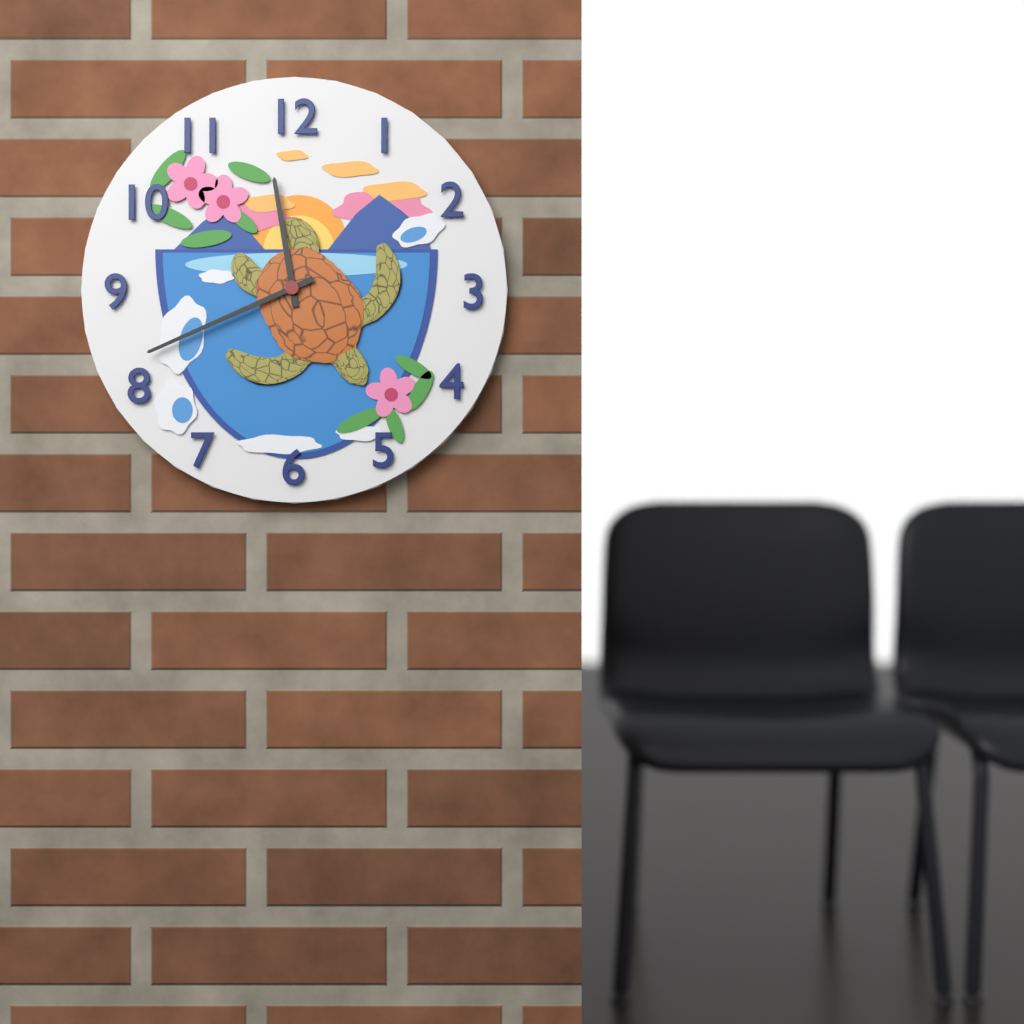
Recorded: h=11 m=41
